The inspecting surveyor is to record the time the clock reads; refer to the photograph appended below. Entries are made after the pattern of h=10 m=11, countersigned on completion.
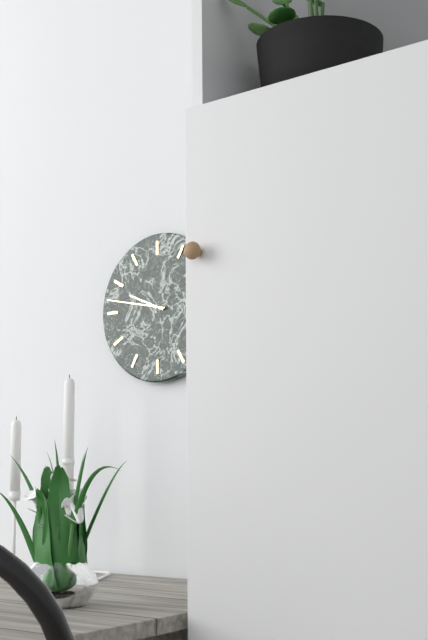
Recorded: h=9 m=47
